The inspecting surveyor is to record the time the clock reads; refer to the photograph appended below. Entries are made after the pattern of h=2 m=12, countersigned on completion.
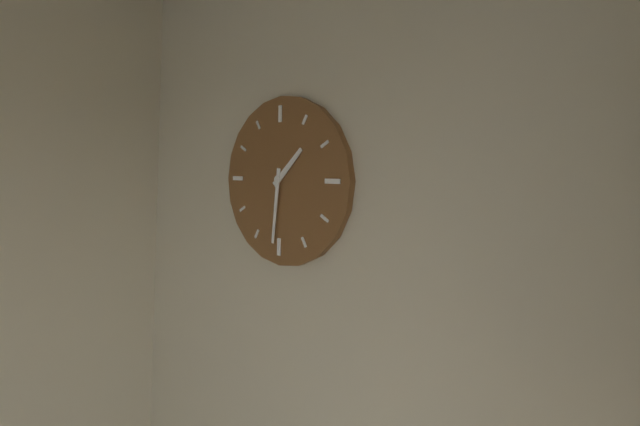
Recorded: h=1 m=31
